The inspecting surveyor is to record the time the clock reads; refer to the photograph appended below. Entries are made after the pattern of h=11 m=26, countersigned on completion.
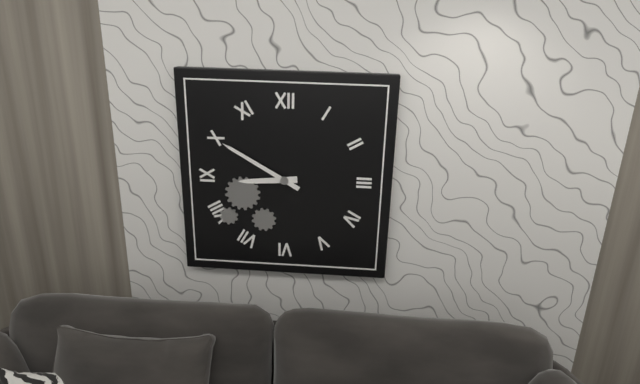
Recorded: h=8 m=50
